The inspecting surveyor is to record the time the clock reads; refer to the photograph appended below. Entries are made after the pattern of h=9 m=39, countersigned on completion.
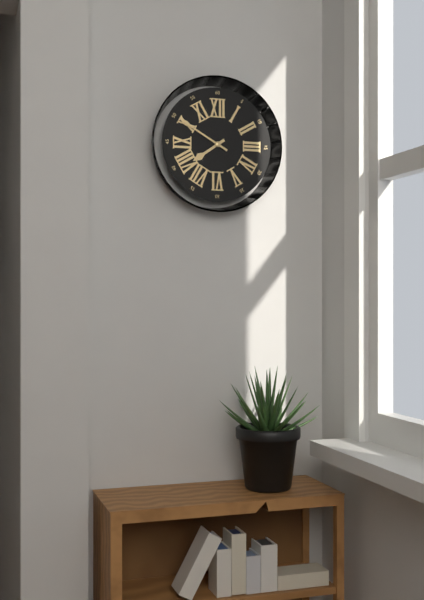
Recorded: h=7 m=50
